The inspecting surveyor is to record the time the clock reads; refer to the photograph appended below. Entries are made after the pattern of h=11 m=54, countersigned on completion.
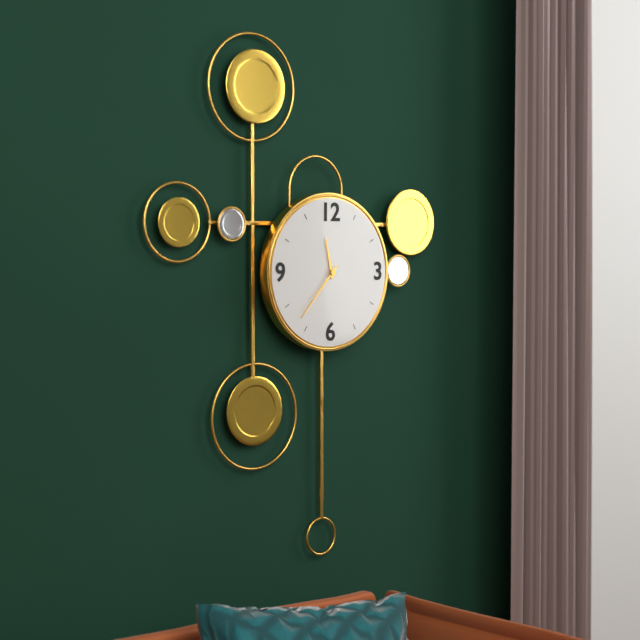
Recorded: h=11 m=37
